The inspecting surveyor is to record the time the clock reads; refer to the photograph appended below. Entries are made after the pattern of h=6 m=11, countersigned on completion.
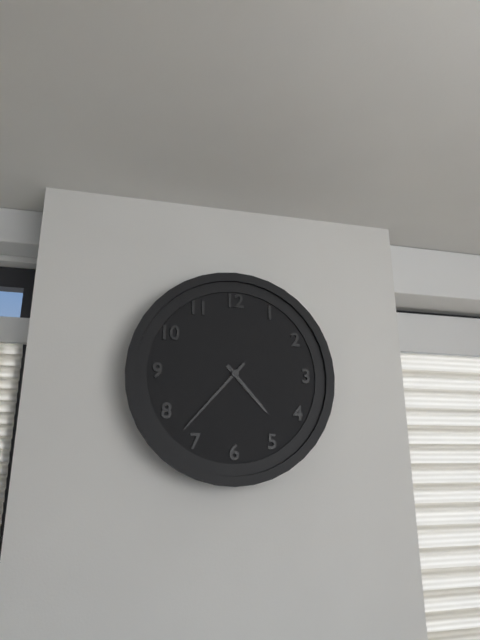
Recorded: h=4 m=37
